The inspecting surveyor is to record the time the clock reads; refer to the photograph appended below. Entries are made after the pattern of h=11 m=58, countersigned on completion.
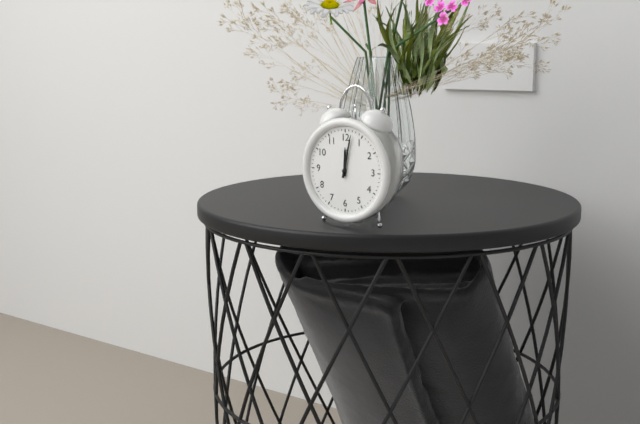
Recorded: h=12 m=2
